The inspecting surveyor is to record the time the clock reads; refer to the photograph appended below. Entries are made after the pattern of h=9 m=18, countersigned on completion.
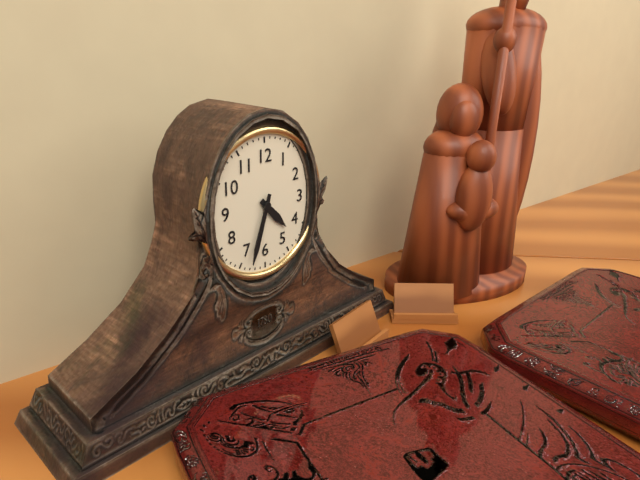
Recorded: h=4 m=33
